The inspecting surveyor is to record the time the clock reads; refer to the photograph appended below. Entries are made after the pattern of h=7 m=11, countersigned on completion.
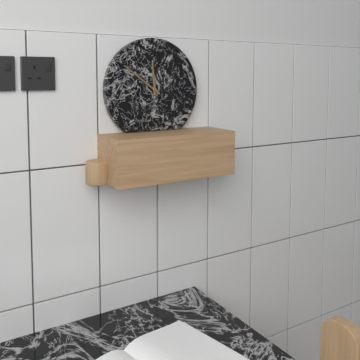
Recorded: h=11 m=51
